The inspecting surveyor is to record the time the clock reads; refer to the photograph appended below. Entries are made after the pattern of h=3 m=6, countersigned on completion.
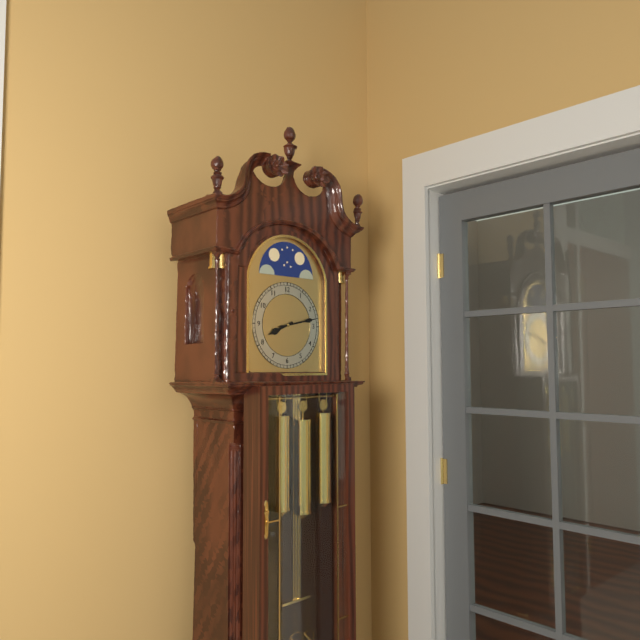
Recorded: h=8 m=13
